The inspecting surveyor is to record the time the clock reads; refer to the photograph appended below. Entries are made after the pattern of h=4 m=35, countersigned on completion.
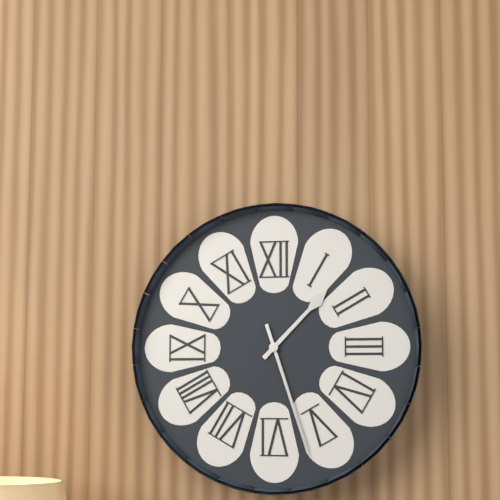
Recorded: h=1 m=27
